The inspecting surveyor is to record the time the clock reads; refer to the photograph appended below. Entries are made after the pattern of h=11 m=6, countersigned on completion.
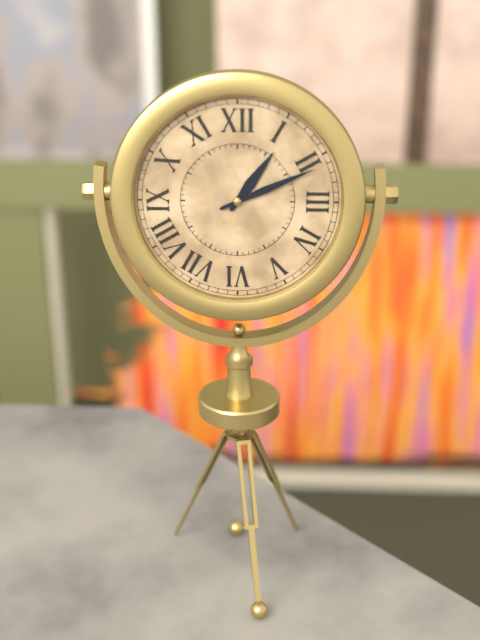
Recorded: h=1 m=11
